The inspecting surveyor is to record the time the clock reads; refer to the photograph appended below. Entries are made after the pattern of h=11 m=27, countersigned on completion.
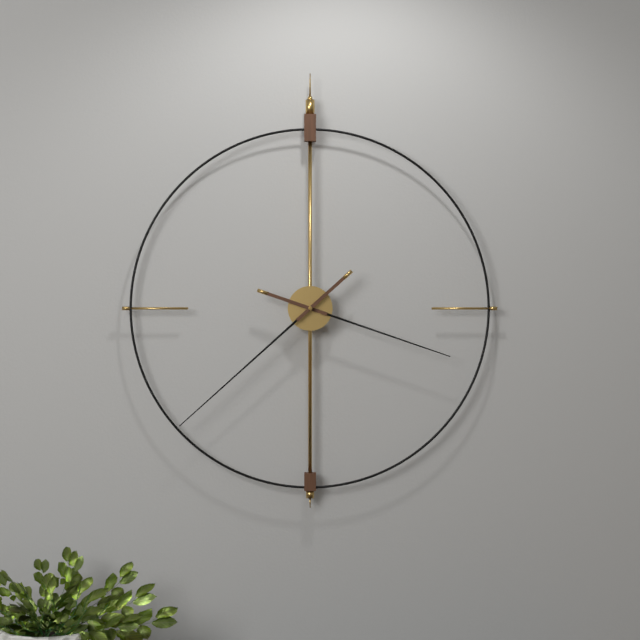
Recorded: h=3 m=38
